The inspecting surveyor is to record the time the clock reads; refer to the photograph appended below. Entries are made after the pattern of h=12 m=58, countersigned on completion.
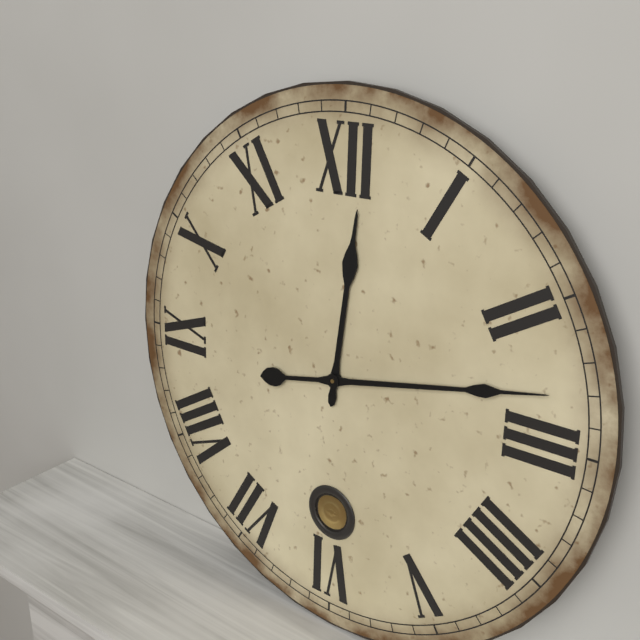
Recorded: h=12 m=13
